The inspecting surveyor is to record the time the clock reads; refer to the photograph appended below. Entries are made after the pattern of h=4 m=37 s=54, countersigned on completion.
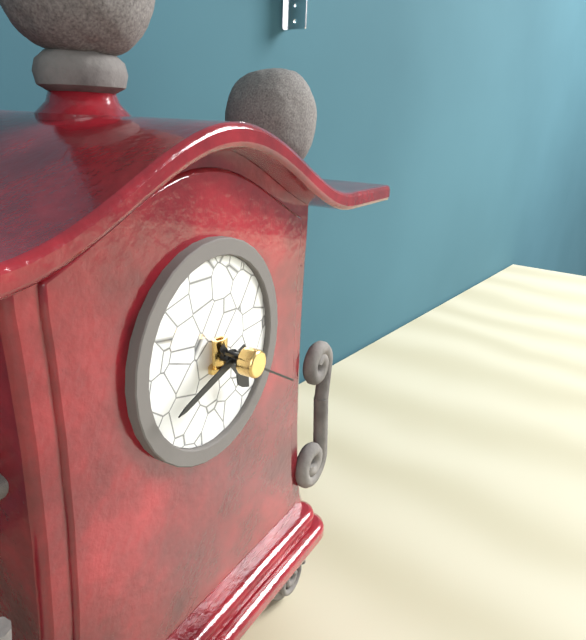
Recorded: h=4 m=42 s=20
